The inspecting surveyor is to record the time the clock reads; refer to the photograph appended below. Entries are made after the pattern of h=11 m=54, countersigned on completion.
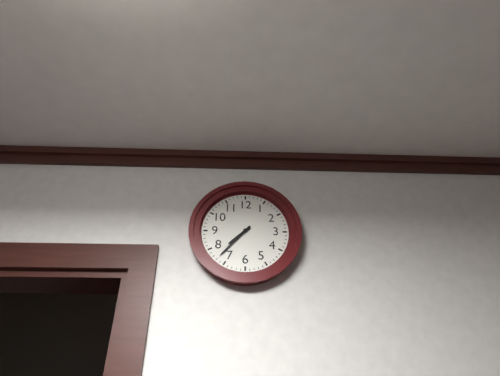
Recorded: h=7 m=37
